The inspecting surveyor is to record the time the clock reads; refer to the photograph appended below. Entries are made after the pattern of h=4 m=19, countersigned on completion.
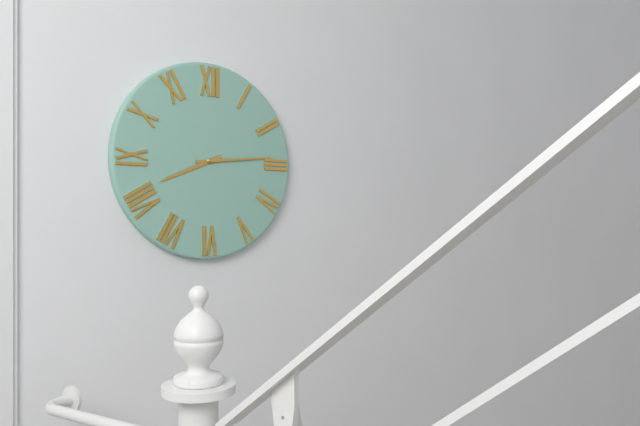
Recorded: h=8 m=14
